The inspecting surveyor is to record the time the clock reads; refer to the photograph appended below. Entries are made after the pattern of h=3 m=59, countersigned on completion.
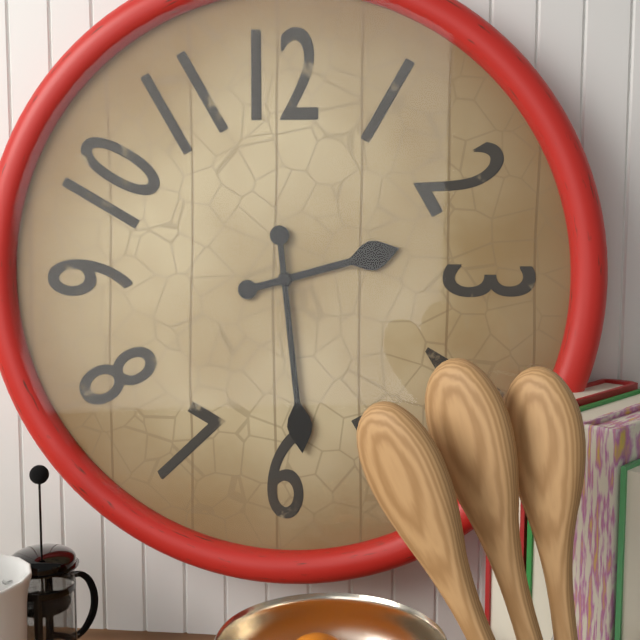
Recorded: h=2 m=29
